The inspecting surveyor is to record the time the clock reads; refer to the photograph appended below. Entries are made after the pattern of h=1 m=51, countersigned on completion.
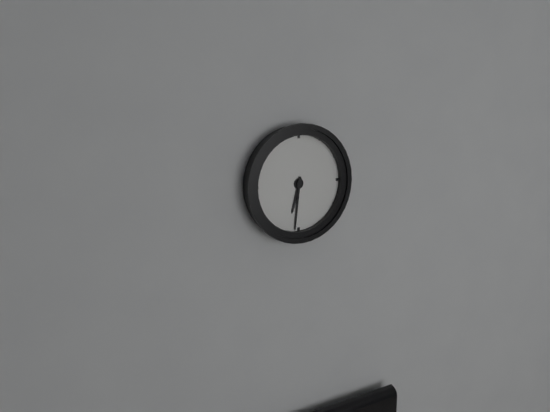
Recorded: h=6 m=31
